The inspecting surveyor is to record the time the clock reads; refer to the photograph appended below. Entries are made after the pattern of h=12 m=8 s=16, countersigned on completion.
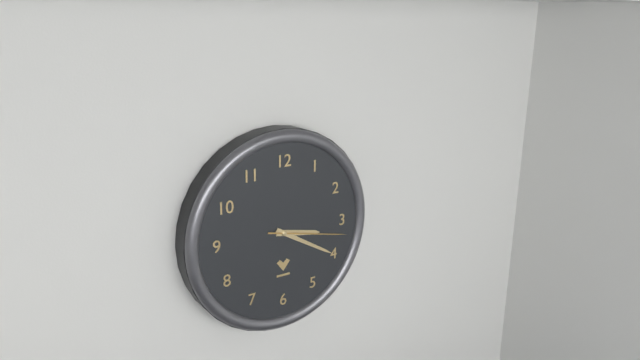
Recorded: h=3 m=20 s=17
